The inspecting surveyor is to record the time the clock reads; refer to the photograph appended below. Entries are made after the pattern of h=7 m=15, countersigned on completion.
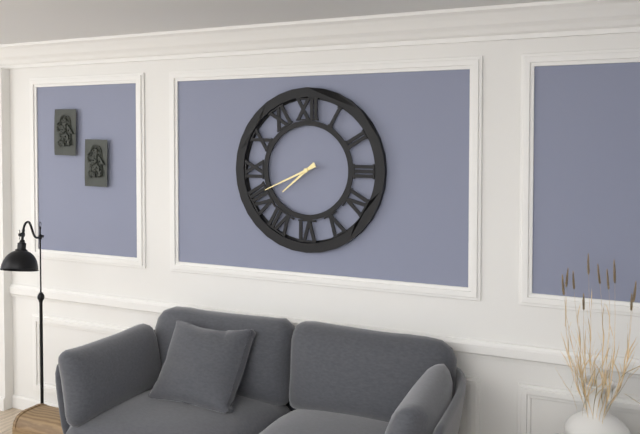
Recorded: h=7 m=41
